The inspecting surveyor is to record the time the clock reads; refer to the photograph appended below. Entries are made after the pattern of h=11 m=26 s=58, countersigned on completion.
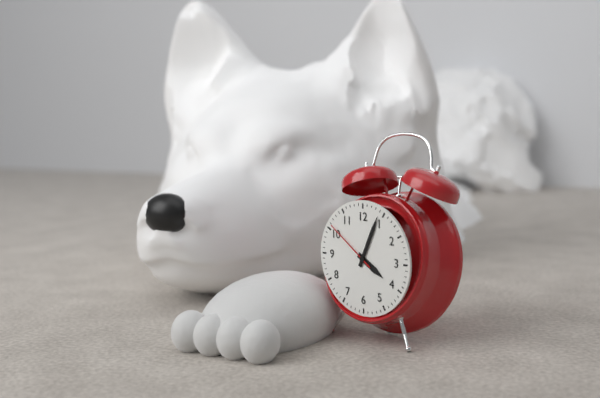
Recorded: h=4 m=4 s=51
